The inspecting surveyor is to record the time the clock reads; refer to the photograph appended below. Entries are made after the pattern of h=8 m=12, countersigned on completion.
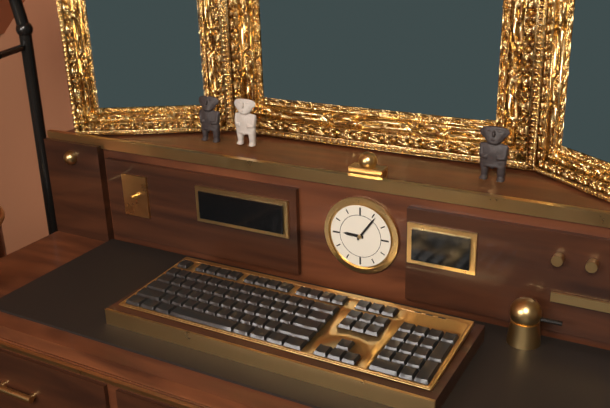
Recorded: h=9 m=6
